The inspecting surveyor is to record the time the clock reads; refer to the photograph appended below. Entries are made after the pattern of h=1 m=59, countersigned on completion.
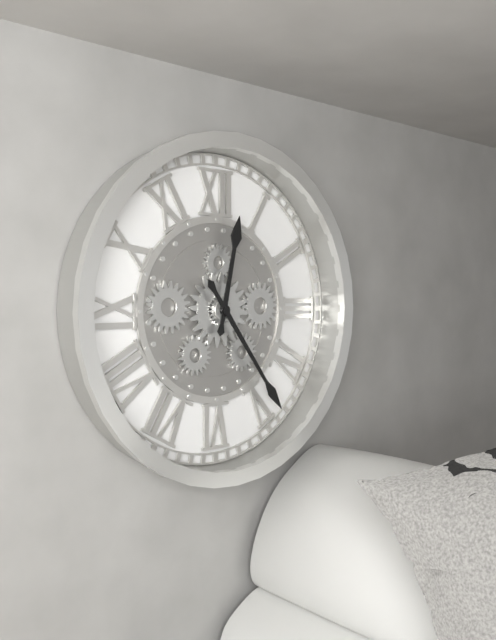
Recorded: h=12 m=24
